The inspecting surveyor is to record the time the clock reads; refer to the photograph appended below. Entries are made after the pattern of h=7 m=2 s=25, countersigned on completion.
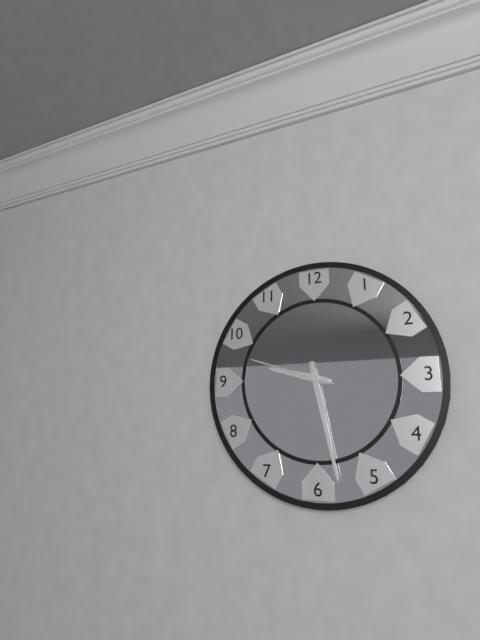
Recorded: h=9 m=28 s=48
